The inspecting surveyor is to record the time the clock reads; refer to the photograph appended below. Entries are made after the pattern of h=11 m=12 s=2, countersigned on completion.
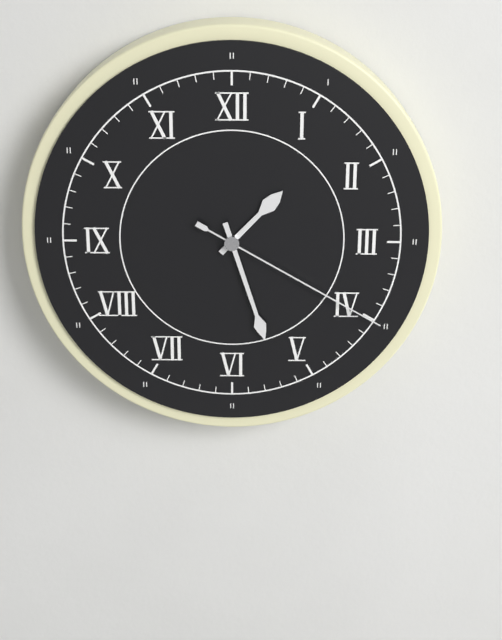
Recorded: h=1 m=27 s=20
